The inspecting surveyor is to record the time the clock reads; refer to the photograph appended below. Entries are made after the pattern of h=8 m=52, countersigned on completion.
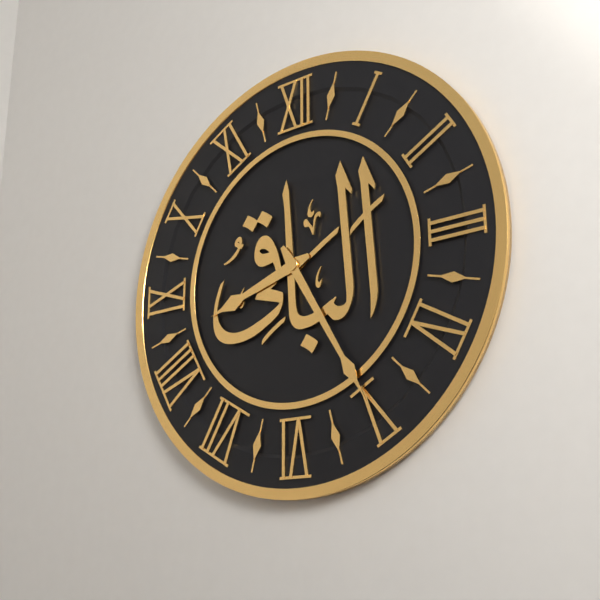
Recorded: h=8 m=25
